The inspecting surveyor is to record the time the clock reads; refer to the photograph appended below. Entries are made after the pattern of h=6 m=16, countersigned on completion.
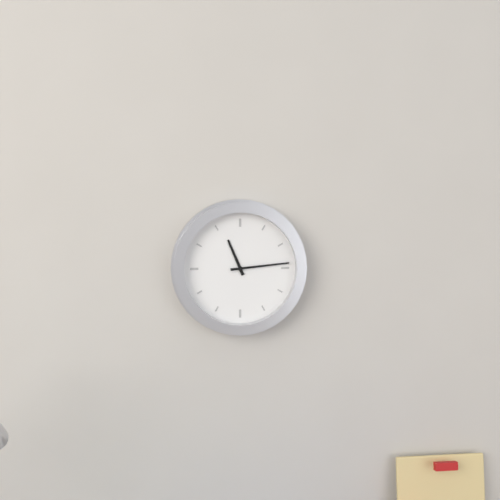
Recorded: h=11 m=14
